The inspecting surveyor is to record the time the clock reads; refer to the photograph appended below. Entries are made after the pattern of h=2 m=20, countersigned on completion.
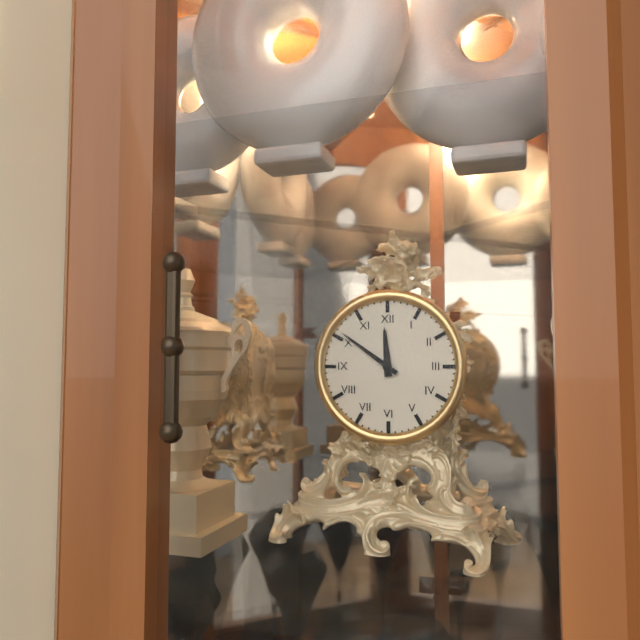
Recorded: h=11 m=51
